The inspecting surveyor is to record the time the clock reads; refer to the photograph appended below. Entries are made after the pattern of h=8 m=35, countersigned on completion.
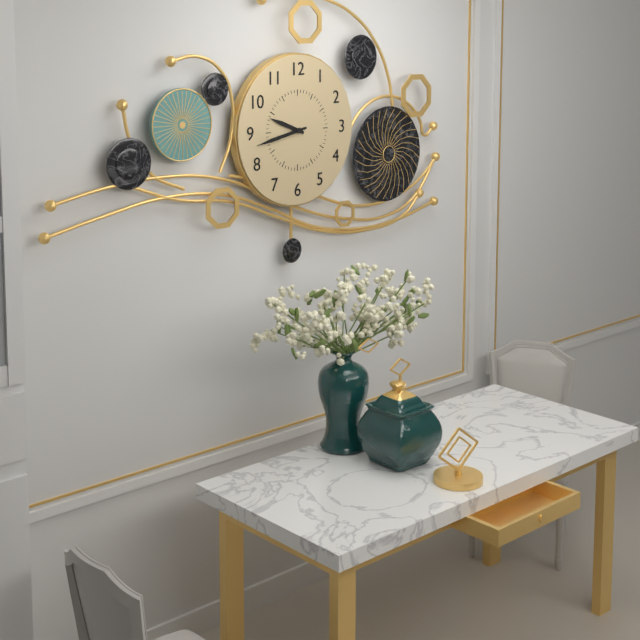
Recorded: h=9 m=43
